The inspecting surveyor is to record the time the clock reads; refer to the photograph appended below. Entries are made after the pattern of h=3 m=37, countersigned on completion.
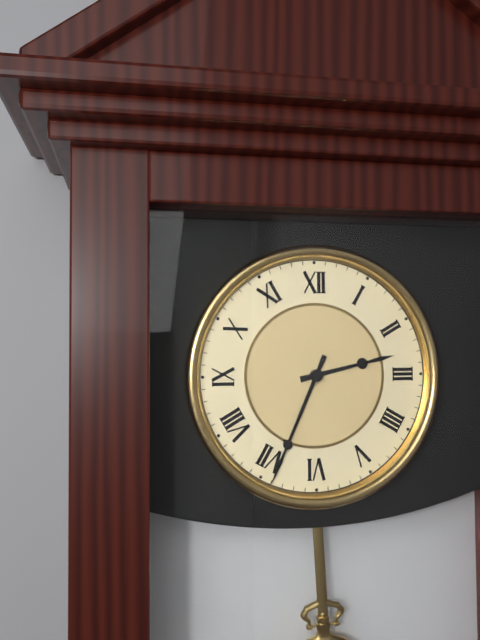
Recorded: h=2 m=34
